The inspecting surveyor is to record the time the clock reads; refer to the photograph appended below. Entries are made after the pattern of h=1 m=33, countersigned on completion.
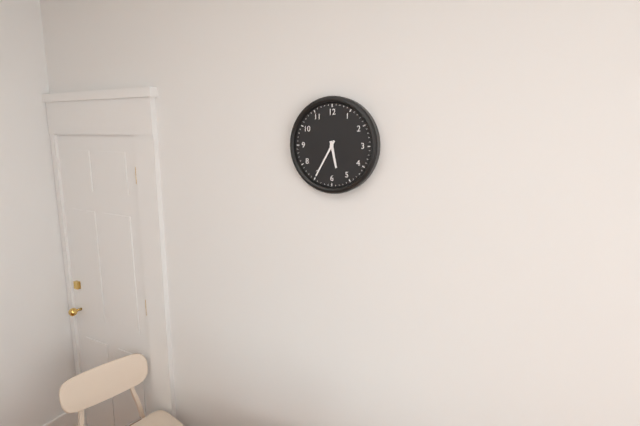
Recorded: h=5 m=35
